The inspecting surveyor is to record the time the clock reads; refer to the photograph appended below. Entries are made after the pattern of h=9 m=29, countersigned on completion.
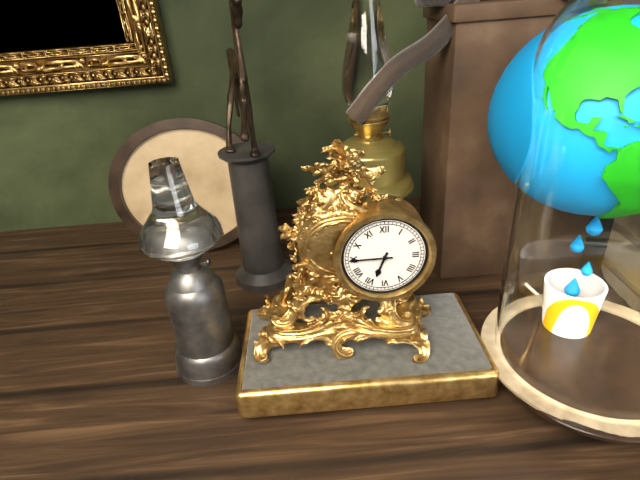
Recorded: h=6 m=45
